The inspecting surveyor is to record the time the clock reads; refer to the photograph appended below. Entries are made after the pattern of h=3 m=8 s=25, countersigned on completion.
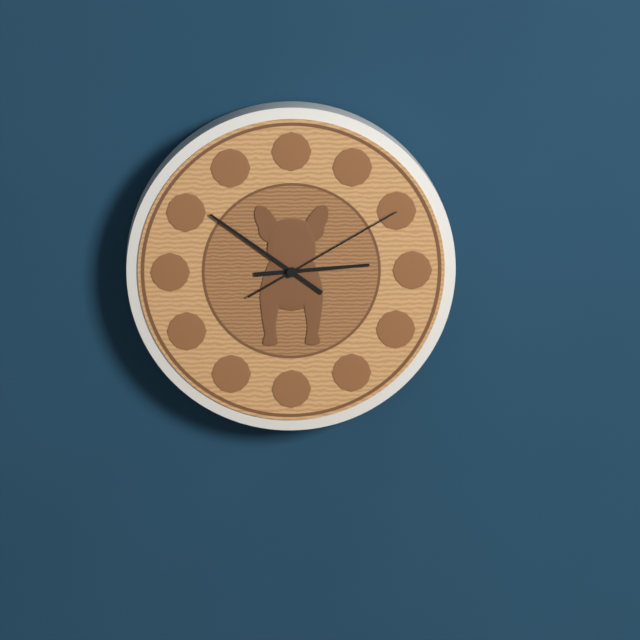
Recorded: h=2 m=51 s=10
